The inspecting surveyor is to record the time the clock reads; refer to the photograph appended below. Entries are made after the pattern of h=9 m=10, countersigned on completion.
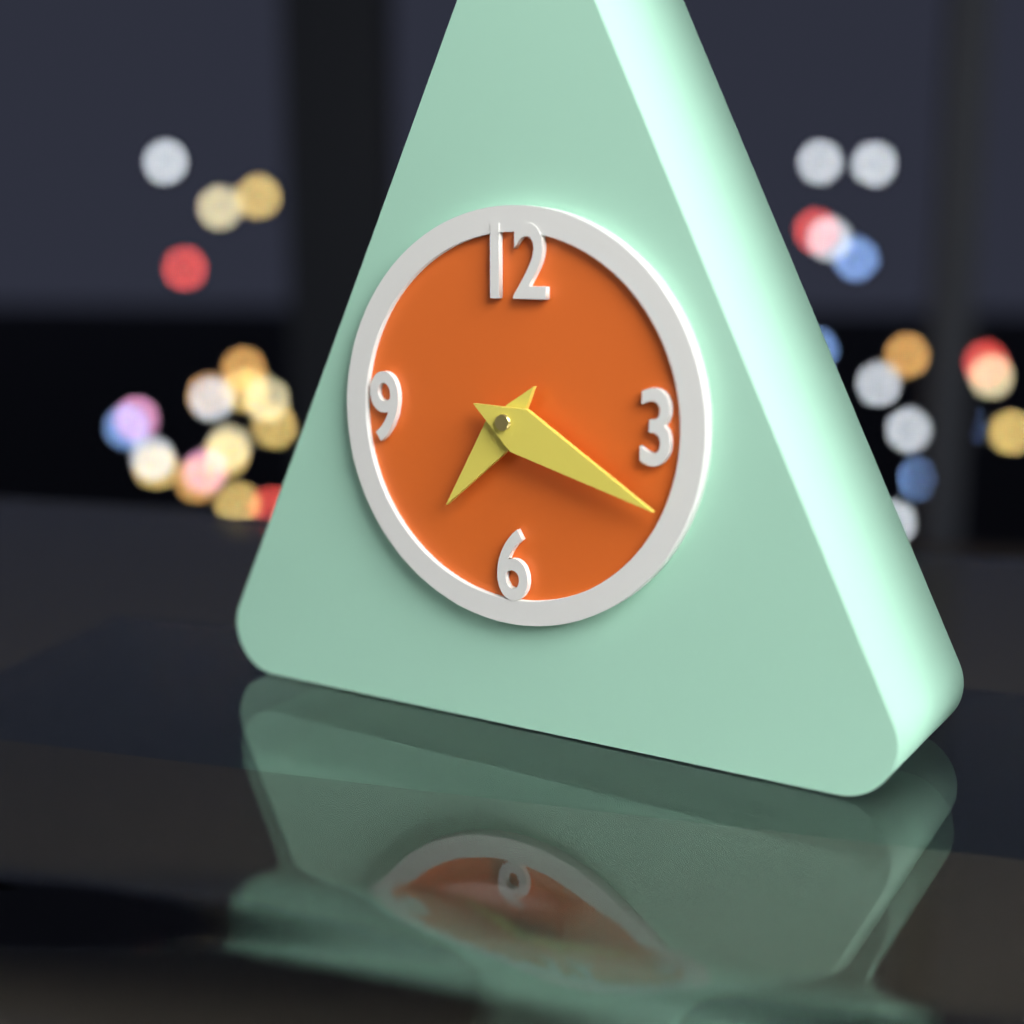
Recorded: h=7 m=19
